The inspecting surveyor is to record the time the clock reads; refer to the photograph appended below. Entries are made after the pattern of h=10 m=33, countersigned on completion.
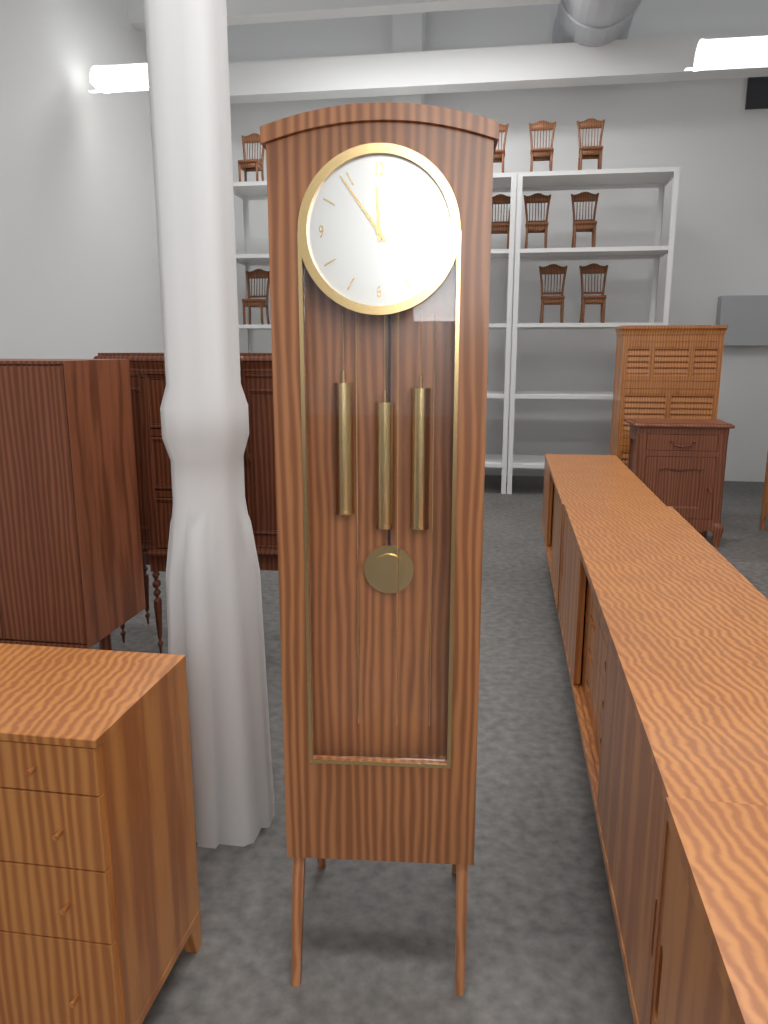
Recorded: h=11 m=54
